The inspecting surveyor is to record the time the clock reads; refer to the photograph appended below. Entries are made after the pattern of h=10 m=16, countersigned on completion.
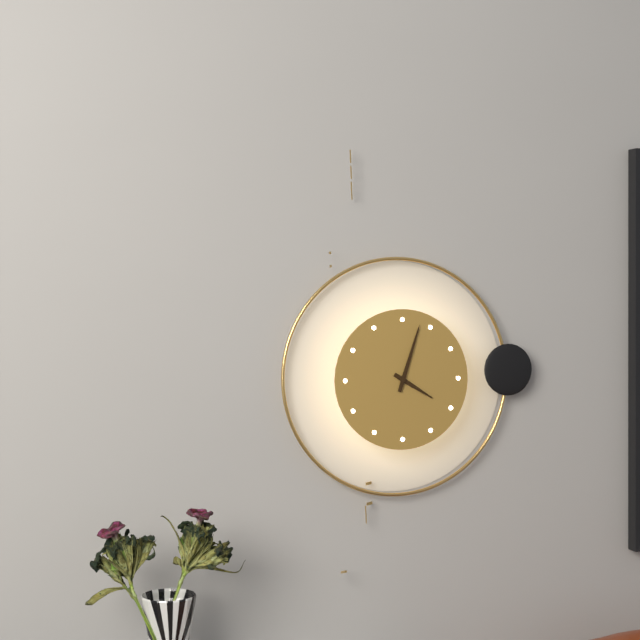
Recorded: h=4 m=3
